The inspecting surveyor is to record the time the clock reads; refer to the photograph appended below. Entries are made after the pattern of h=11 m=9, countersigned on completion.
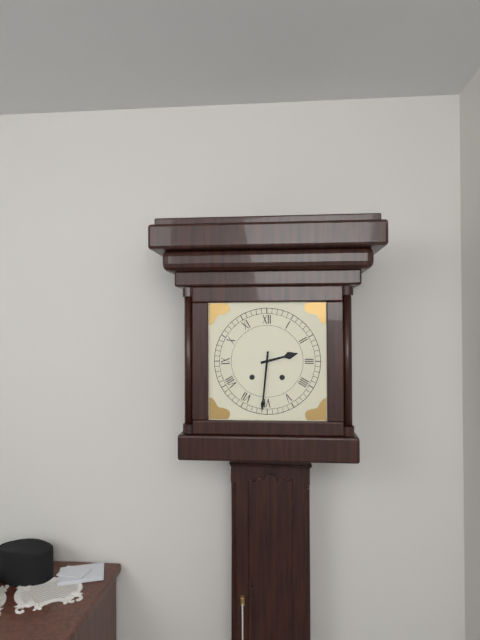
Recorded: h=2 m=31
